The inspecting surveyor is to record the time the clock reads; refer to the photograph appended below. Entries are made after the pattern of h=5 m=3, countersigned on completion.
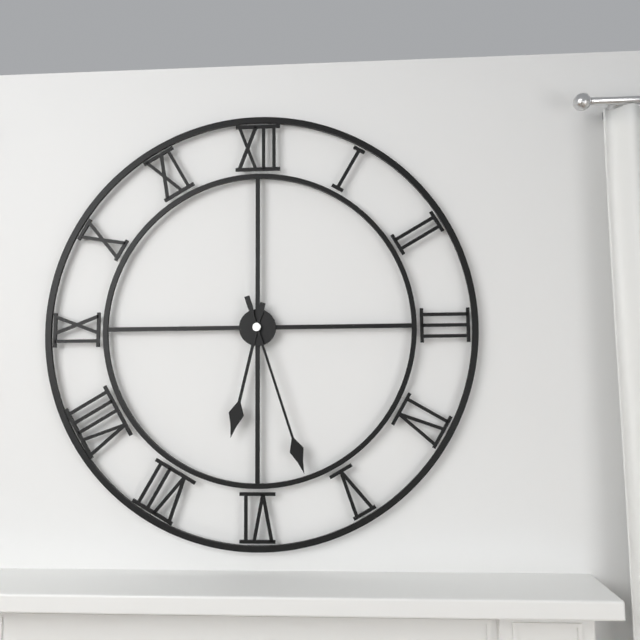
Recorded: h=6 m=27
